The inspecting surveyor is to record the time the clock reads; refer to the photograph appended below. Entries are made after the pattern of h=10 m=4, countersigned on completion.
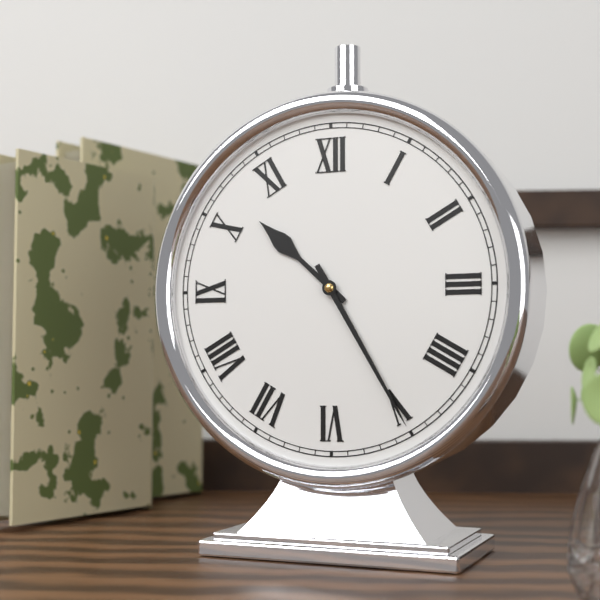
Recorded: h=10 m=25
